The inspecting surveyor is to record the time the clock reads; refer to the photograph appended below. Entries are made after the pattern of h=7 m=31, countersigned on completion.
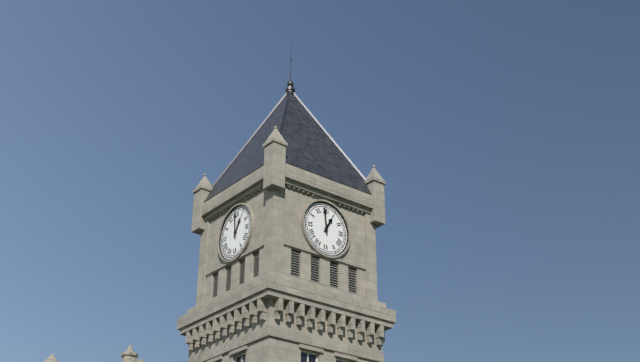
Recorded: h=12 m=59
